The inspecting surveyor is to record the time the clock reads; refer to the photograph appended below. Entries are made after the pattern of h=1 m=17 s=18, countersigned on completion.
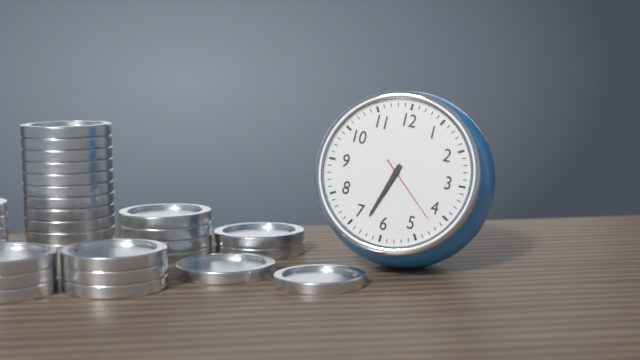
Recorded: h=6 m=33 s=22
